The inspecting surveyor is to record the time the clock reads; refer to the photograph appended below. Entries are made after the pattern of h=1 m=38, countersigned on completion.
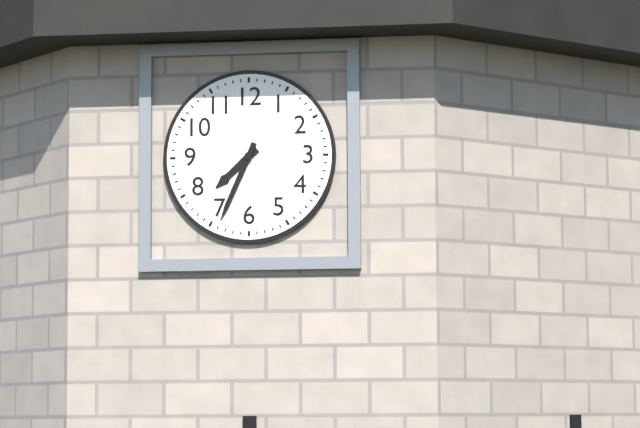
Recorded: h=7 m=34
